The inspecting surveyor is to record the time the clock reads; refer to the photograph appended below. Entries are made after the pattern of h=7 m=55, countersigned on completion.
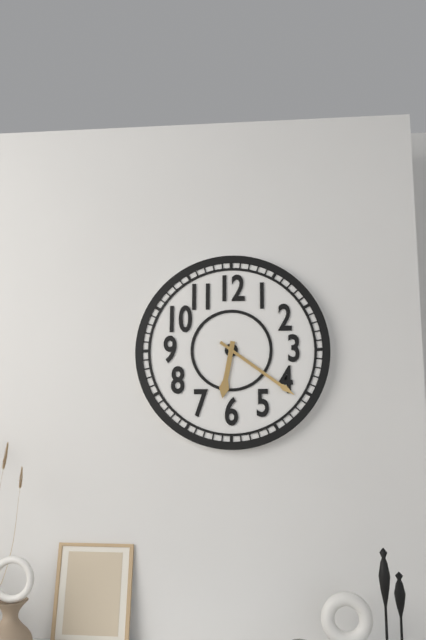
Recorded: h=6 m=21
